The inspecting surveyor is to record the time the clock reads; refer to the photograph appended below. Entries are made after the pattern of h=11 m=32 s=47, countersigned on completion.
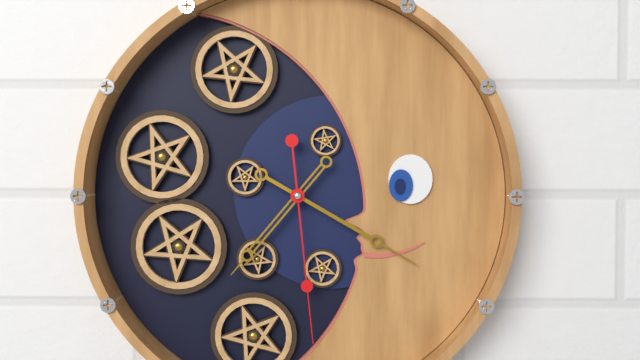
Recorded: h=7 m=20 s=29
